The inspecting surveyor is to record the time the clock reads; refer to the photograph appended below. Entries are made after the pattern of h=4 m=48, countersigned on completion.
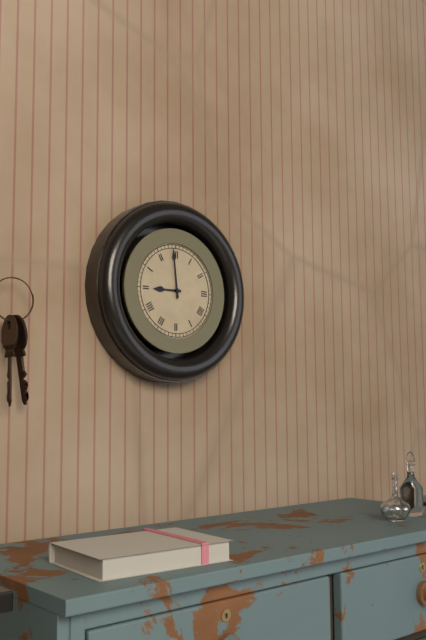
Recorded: h=8 m=59
